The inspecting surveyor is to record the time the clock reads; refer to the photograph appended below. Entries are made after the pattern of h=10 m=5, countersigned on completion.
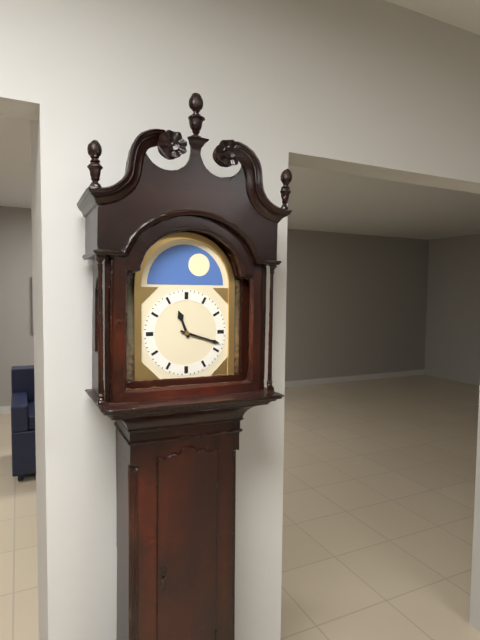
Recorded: h=11 m=18
